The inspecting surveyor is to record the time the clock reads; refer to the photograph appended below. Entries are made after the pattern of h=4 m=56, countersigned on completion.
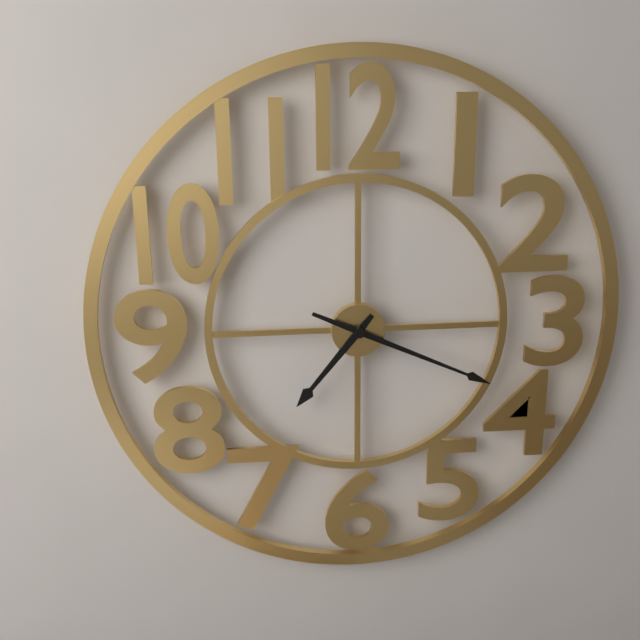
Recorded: h=7 m=19
